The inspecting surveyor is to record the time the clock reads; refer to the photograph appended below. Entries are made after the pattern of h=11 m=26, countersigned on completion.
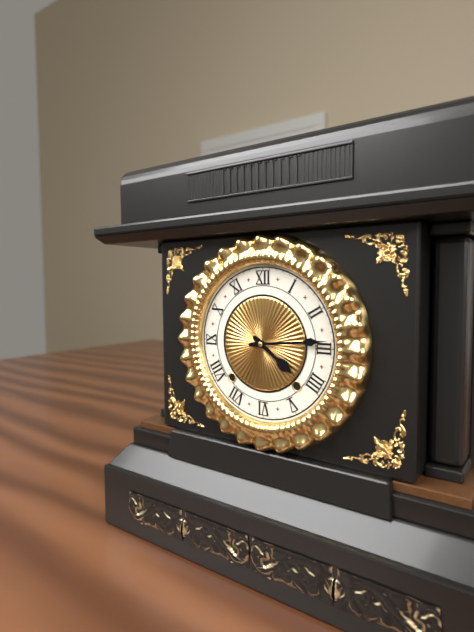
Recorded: h=4 m=14
